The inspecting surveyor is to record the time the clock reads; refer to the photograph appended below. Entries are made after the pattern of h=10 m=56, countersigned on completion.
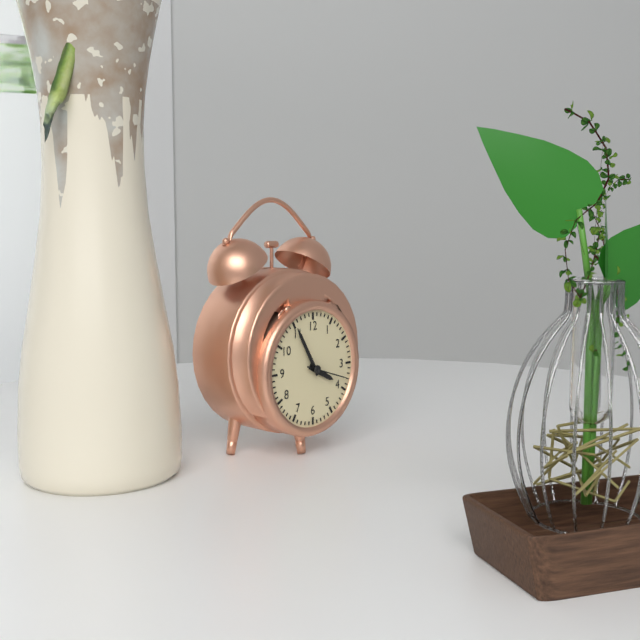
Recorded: h=3 m=55
